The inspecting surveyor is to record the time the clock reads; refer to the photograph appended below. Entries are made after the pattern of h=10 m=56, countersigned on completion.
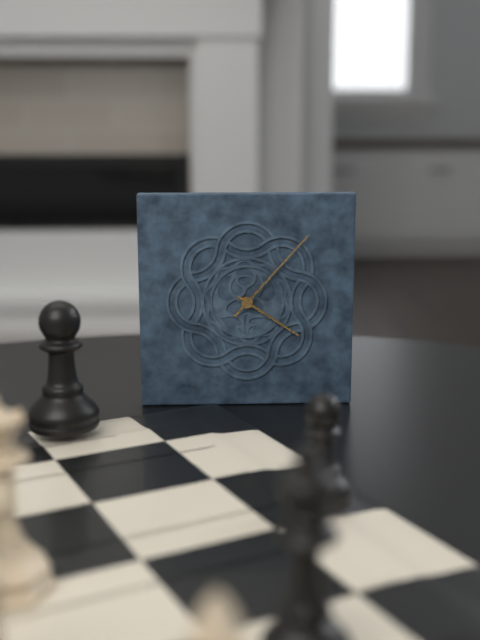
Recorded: h=4 m=7
